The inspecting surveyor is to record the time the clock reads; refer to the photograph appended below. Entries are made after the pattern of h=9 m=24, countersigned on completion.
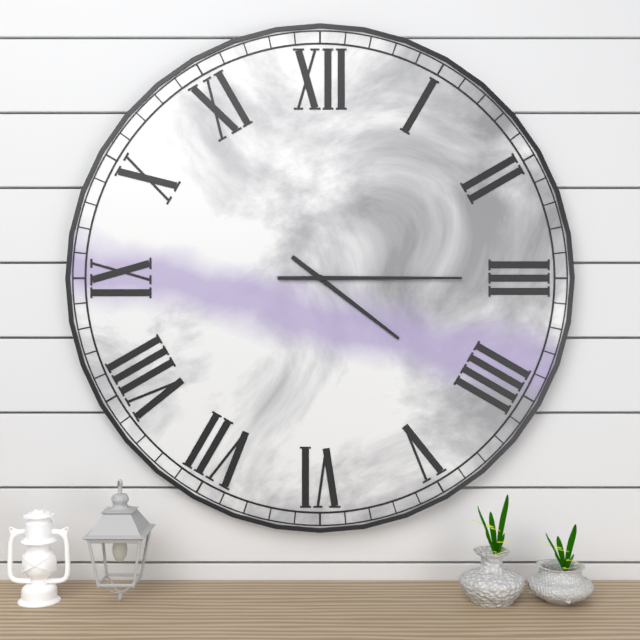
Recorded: h=4 m=15
